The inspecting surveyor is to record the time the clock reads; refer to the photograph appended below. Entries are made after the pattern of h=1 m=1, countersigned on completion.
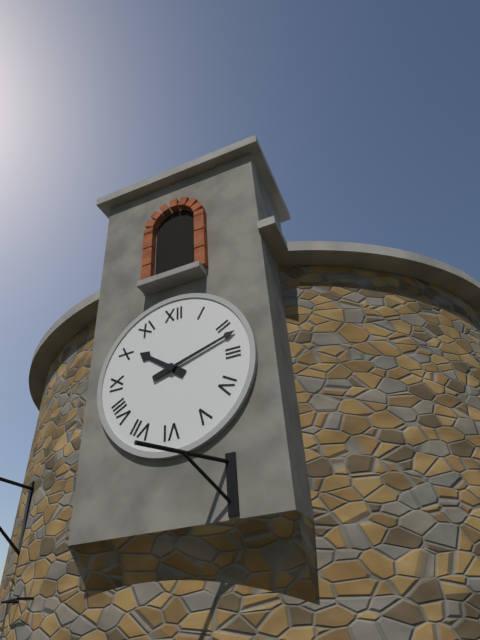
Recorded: h=10 m=12
